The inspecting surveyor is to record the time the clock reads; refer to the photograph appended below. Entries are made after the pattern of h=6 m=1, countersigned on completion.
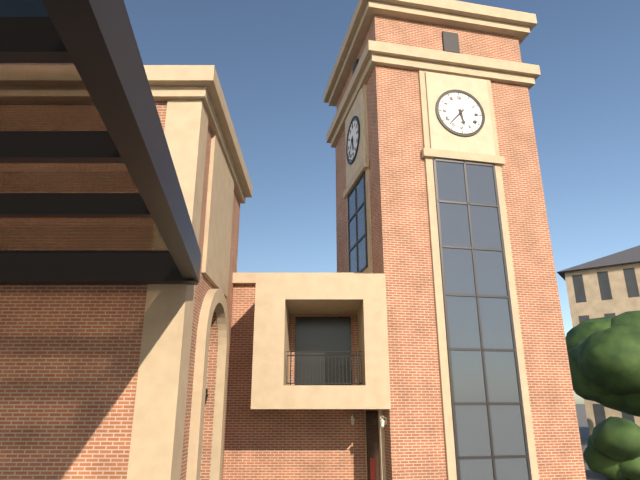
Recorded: h=5 m=37
